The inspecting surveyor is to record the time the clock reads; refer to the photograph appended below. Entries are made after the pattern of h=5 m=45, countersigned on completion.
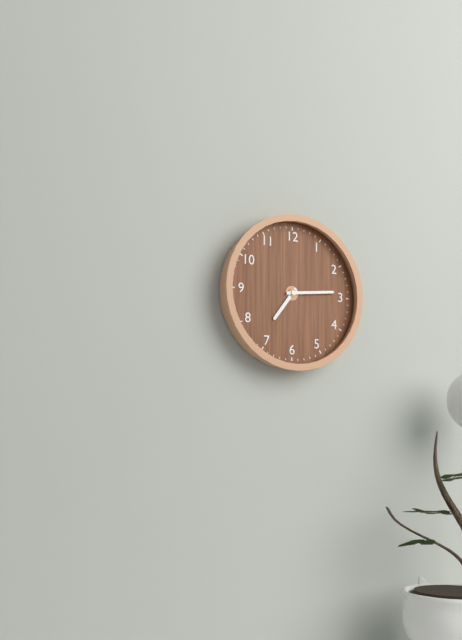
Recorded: h=7 m=14
